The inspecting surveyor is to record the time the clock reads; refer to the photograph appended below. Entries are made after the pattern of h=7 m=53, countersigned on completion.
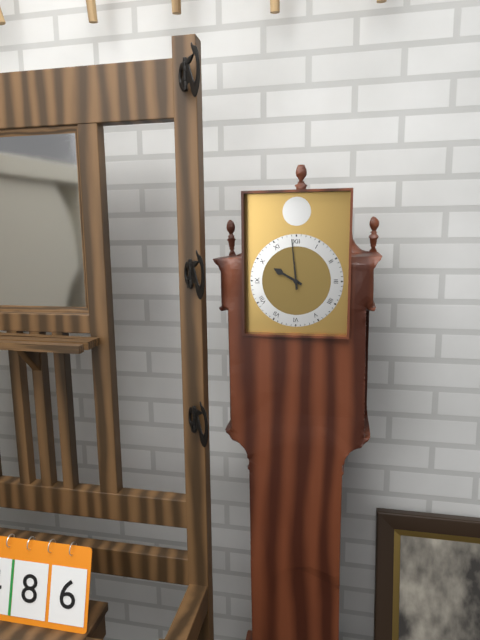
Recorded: h=9 m=59
